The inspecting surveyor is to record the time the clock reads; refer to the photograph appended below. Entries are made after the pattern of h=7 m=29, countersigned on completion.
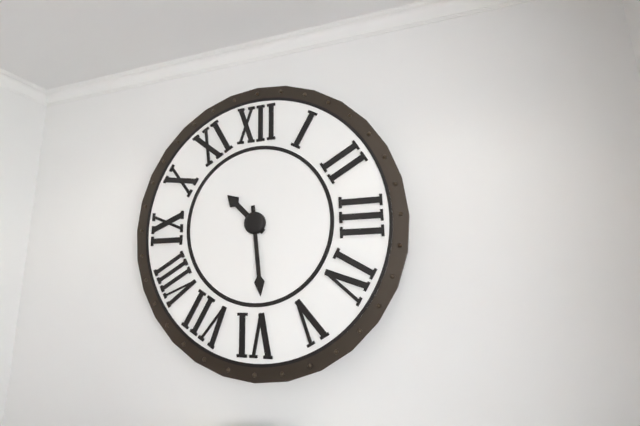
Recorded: h=10 m=29
